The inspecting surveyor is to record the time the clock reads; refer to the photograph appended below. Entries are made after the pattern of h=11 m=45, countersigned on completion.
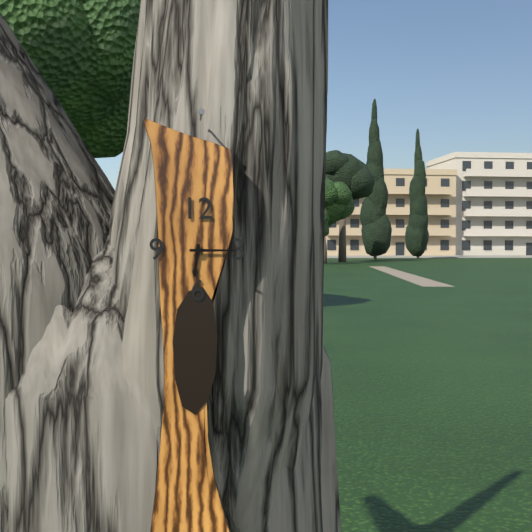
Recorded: h=6 m=15
